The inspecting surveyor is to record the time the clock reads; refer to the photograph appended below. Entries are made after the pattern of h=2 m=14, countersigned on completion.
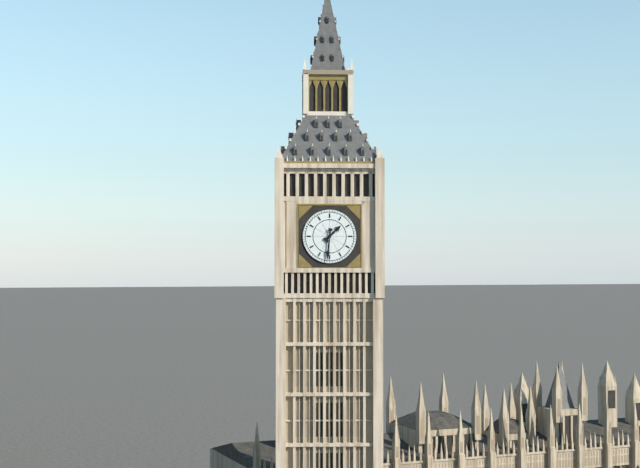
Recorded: h=1 m=31
